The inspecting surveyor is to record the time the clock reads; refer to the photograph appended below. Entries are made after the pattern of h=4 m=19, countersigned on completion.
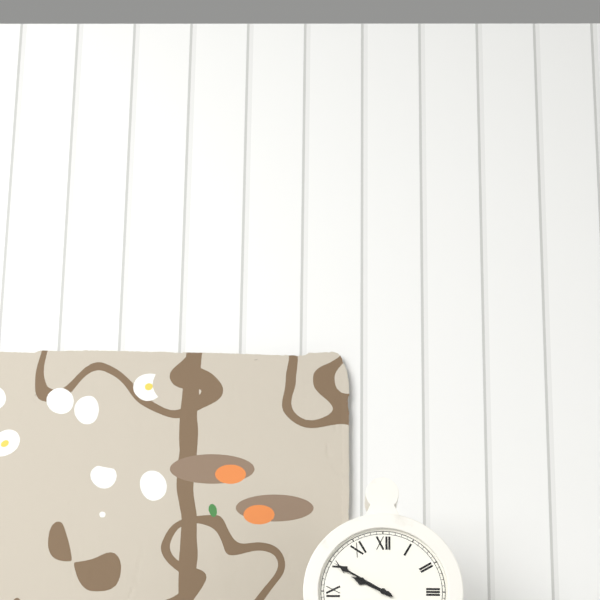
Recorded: h=9 m=50
